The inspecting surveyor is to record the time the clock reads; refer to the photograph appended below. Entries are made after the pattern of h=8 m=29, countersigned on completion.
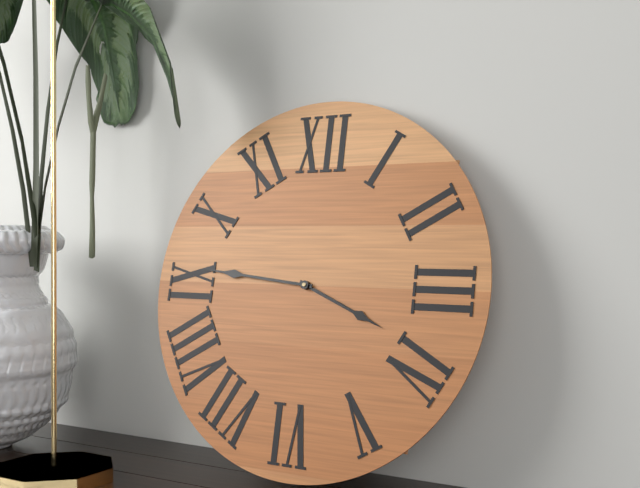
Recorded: h=3 m=46
